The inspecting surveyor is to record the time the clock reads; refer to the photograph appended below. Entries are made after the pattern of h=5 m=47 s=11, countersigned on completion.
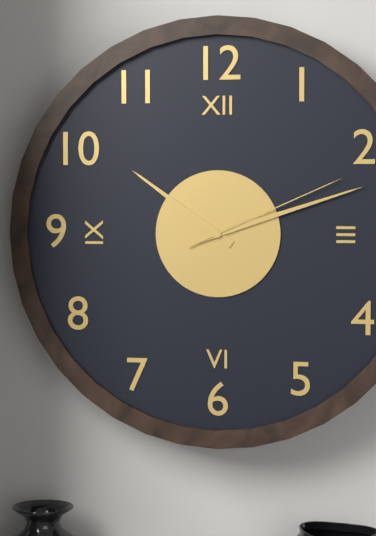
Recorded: h=10 m=12 s=11
